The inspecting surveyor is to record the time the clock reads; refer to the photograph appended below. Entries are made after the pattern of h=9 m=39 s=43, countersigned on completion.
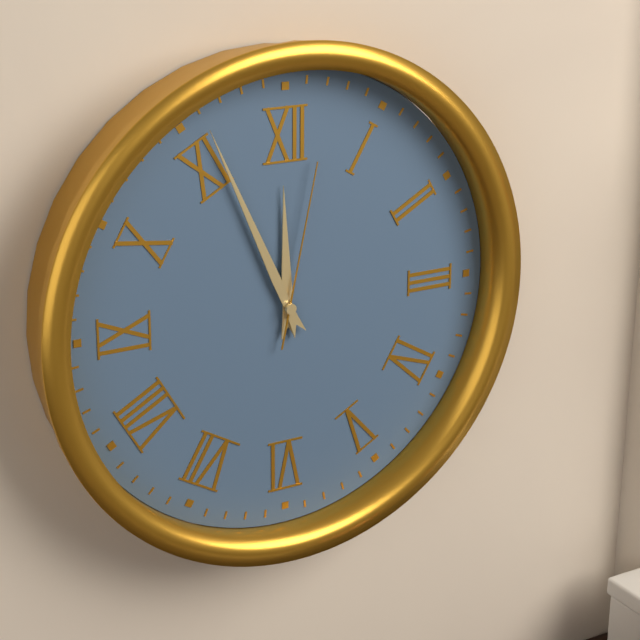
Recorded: h=11 m=56 s=2
